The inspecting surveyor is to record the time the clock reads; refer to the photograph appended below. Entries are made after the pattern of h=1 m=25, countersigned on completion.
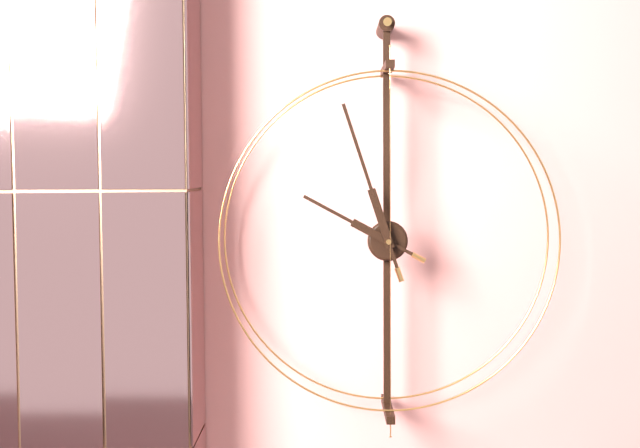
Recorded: h=9 m=57
